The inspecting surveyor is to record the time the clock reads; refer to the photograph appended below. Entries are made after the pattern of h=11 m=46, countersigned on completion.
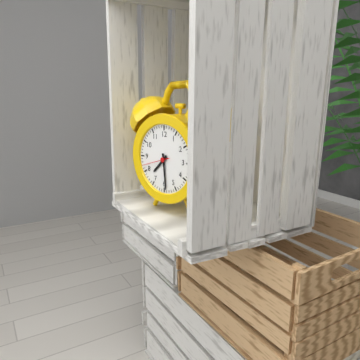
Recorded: h=7 m=29
